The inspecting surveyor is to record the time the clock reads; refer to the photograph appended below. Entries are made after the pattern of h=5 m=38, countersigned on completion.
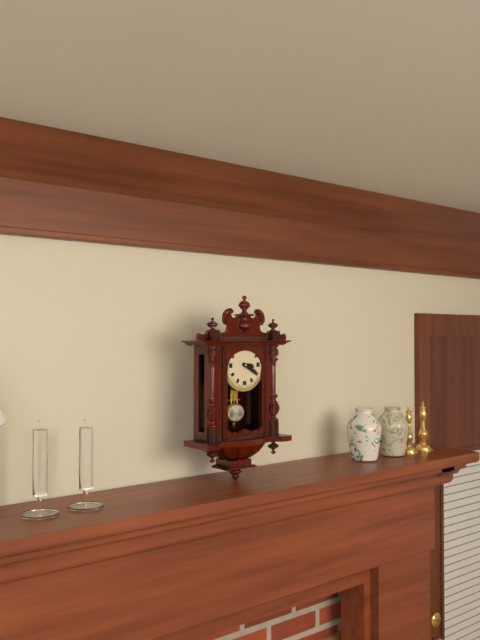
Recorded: h=3 m=20
